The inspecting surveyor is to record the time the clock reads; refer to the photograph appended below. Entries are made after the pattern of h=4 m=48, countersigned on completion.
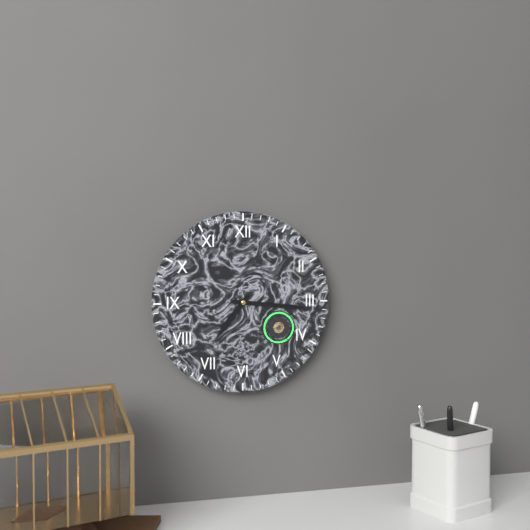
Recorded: h=7 m=16
